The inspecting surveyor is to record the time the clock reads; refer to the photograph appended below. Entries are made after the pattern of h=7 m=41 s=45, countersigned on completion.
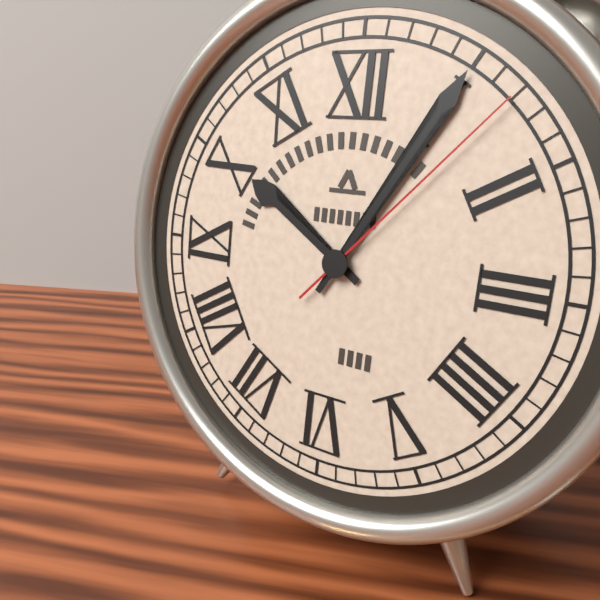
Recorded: h=10 m=5 s=7
